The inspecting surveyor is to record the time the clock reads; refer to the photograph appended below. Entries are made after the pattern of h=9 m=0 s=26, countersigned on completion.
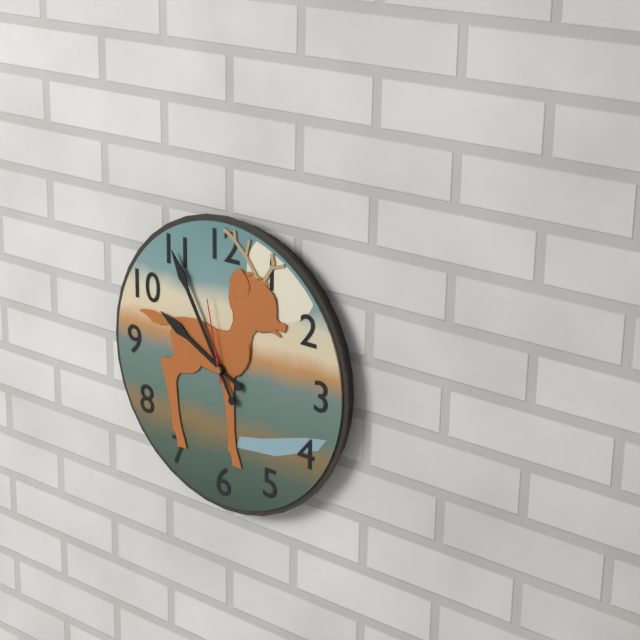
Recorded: h=9 m=55 s=58
